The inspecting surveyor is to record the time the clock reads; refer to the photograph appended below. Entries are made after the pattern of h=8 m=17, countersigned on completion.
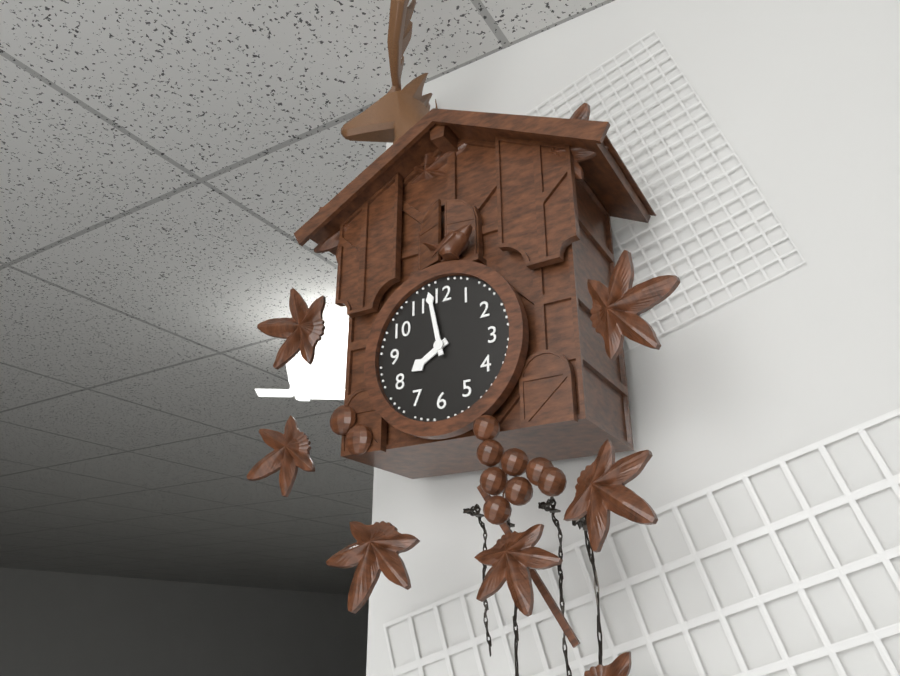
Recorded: h=7 m=58
